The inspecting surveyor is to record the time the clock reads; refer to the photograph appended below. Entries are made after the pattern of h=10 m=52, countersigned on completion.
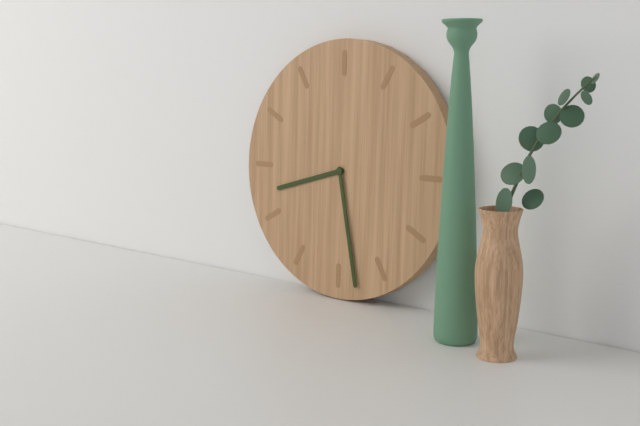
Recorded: h=8 m=28
